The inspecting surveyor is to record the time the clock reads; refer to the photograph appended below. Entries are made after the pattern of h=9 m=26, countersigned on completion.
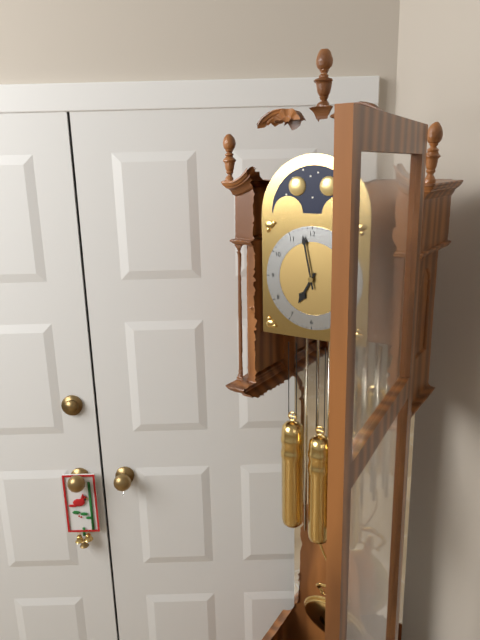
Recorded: h=6 m=58
